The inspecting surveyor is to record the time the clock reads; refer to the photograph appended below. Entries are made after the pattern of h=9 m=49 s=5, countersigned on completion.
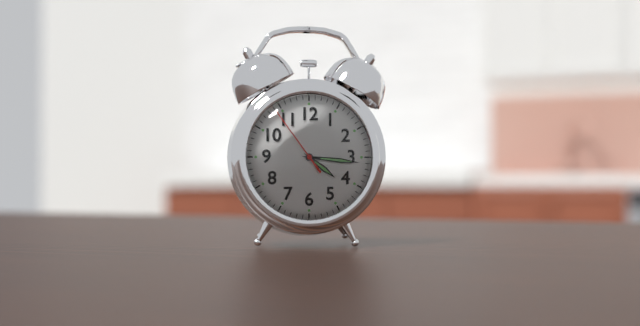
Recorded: h=4 m=16 s=54
